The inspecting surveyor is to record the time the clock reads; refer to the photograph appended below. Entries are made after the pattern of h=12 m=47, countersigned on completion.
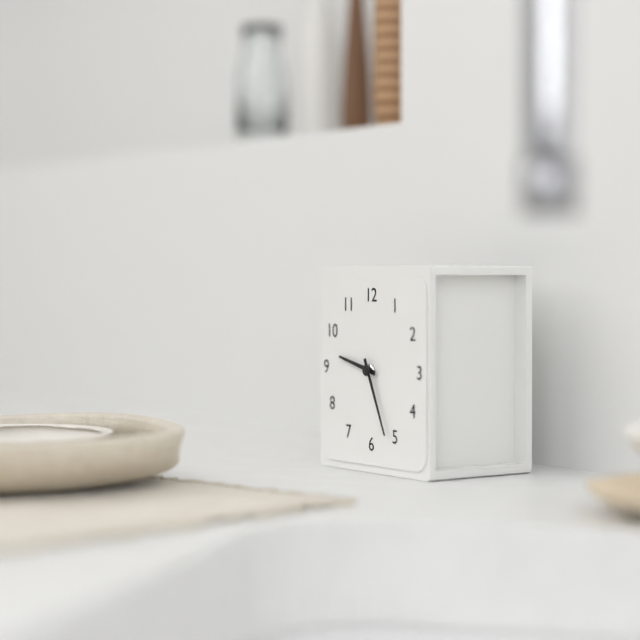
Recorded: h=9 m=26
